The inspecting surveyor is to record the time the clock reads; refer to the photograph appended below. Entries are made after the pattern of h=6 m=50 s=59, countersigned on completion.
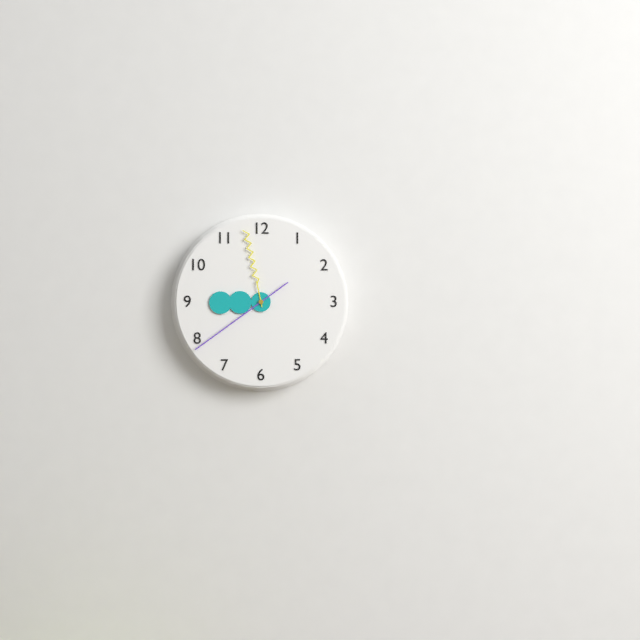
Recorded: h=8 m=58 s=39
